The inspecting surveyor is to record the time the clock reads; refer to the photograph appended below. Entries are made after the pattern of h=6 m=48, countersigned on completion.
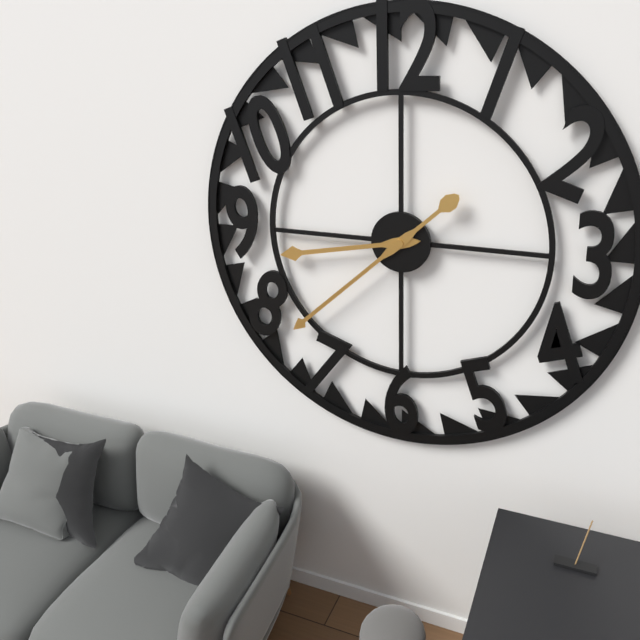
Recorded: h=8 m=38
